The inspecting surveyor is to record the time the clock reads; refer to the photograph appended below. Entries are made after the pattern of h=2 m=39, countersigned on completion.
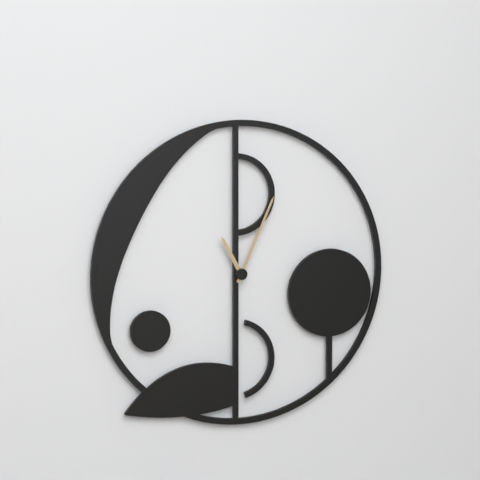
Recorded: h=11 m=4
